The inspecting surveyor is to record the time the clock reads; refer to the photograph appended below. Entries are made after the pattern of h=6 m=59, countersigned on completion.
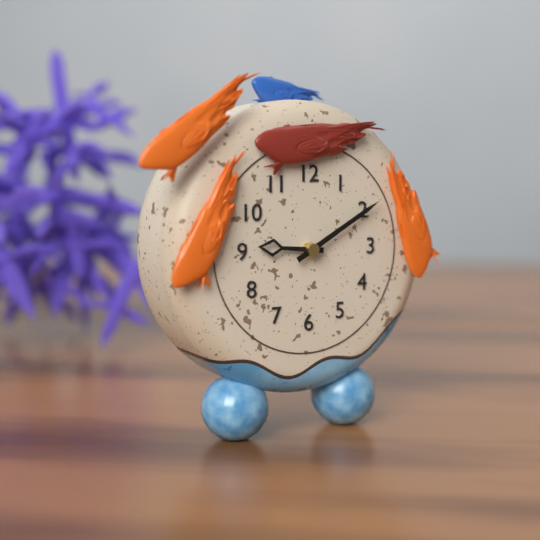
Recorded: h=9 m=10
